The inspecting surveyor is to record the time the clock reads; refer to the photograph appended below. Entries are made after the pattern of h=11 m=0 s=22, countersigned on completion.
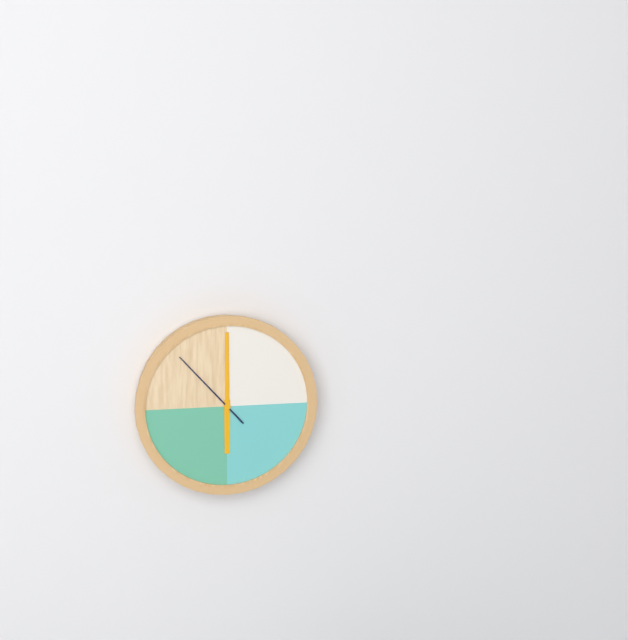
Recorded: h=6 m=0 s=53
